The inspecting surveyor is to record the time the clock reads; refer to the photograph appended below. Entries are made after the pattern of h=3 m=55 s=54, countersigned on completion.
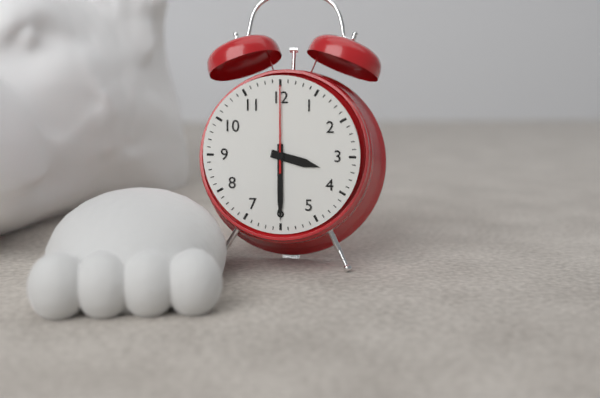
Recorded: h=3 m=30 s=0
